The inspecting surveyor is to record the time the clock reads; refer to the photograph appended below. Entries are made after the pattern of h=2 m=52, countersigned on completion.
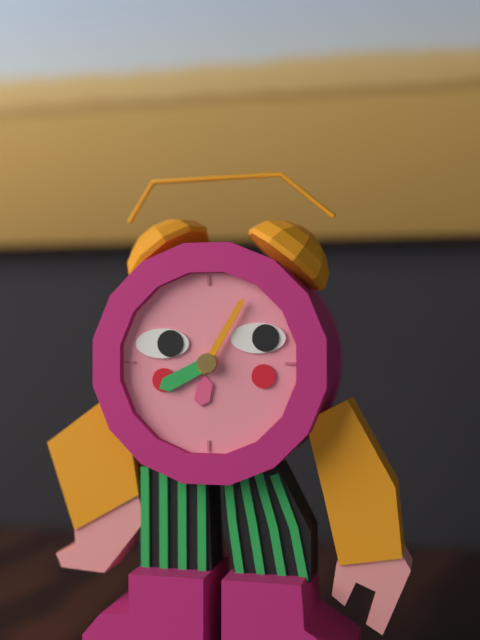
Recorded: h=8 m=5
